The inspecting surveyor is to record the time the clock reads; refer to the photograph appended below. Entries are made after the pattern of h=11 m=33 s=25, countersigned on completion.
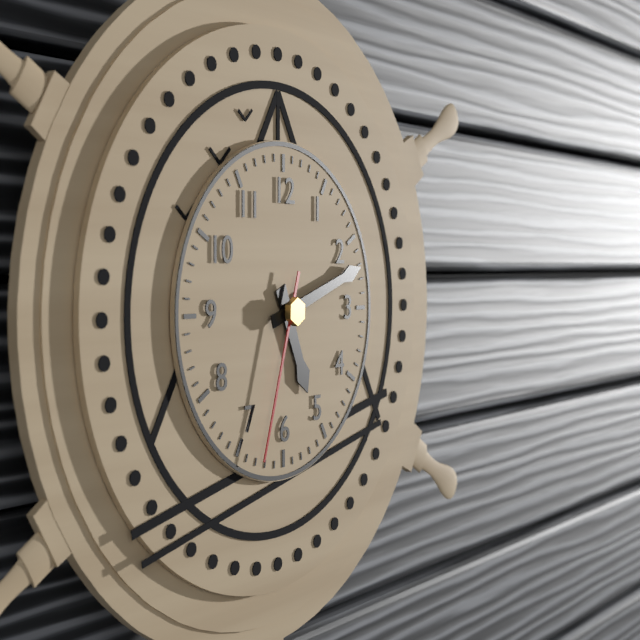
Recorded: h=5 m=12 s=33
